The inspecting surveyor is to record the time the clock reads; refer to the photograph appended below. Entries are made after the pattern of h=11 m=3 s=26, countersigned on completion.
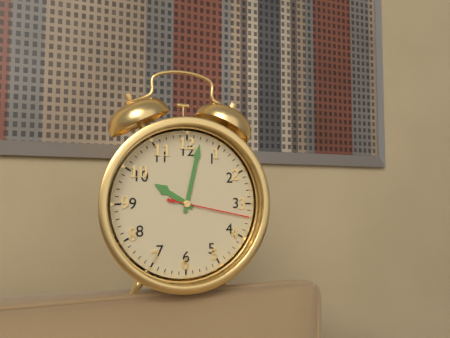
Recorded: h=10 m=2 s=17
